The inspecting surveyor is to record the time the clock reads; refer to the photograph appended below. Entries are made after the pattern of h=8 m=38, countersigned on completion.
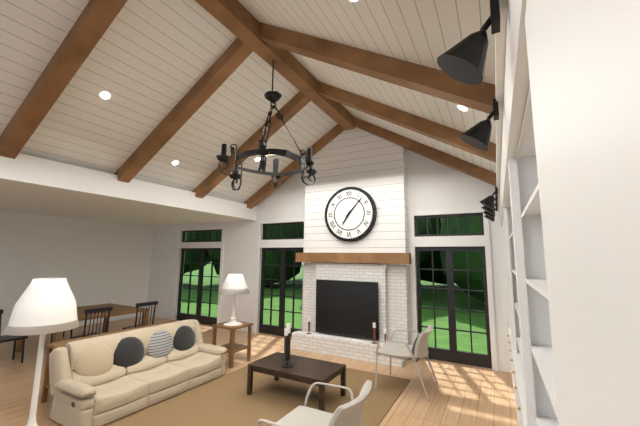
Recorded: h=7 m=7
